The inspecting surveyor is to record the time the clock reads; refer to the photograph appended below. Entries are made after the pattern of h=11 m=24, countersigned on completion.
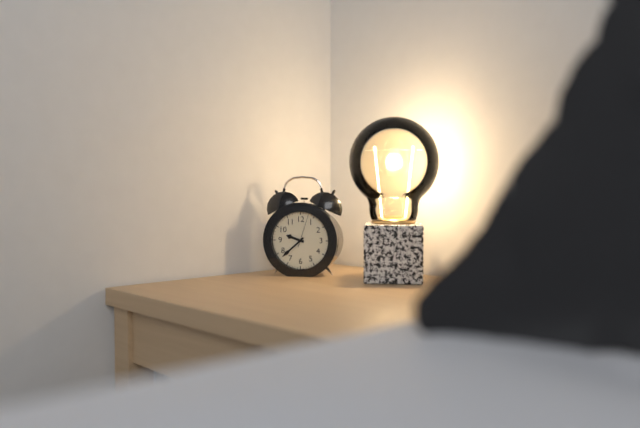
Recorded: h=9 m=38
